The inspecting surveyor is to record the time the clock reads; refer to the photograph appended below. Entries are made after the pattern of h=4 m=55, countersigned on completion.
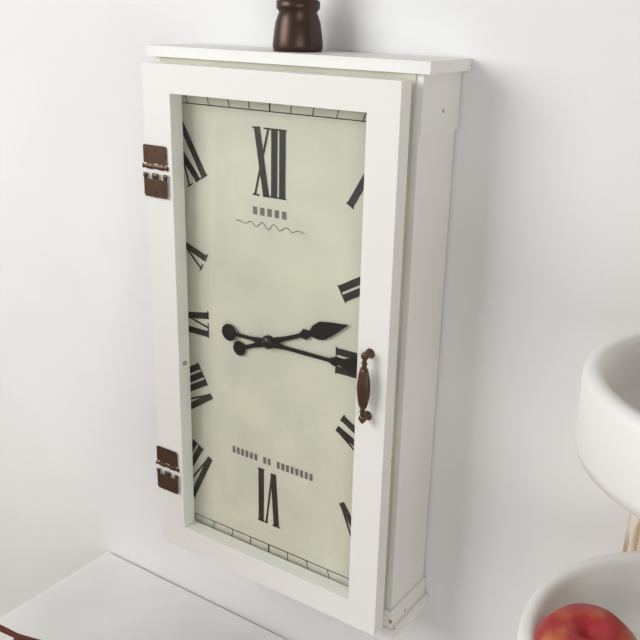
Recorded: h=2 m=15
